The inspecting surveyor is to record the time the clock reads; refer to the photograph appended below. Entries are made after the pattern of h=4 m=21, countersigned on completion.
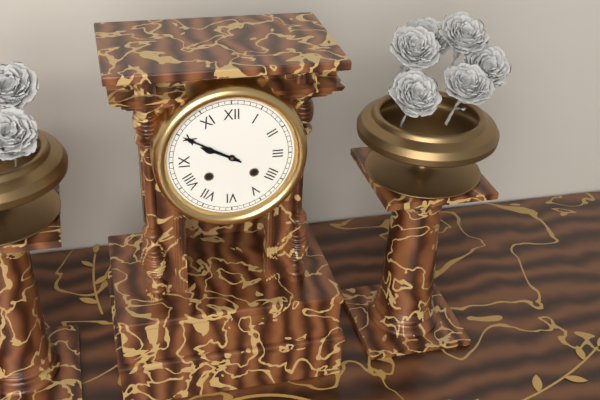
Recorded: h=9 m=50
